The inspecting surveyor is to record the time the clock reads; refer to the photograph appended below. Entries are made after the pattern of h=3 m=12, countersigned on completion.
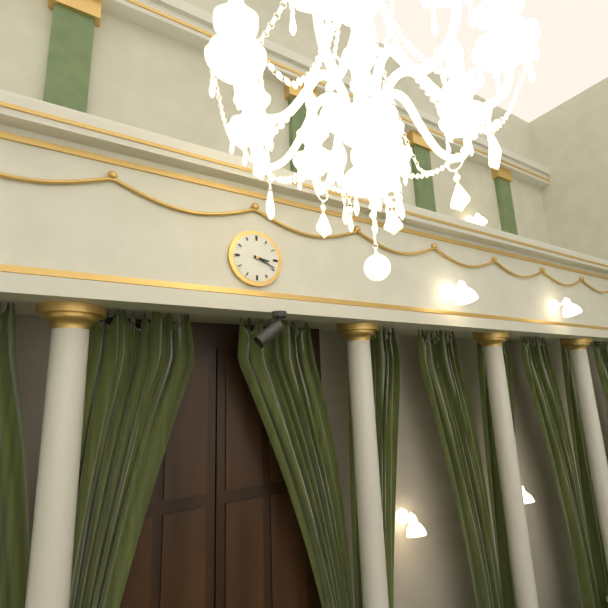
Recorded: h=3 m=19
